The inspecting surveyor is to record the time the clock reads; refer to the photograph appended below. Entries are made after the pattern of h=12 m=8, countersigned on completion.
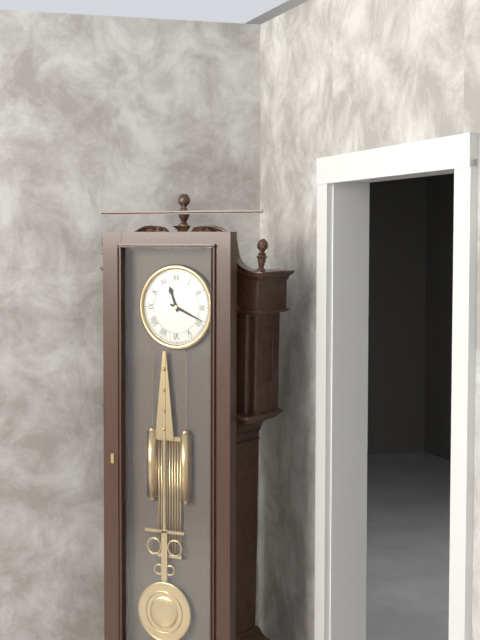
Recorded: h=11 m=19
